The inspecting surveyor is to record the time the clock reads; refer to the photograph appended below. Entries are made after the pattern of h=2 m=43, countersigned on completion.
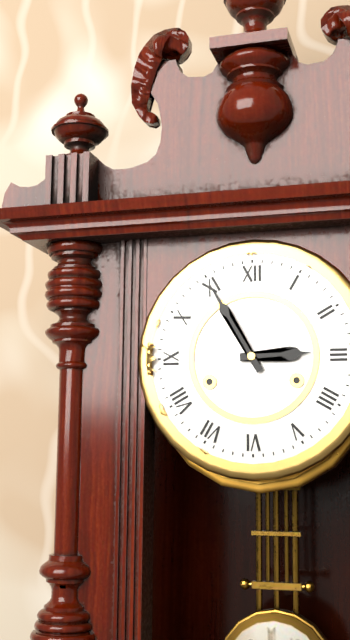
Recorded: h=2 m=55
